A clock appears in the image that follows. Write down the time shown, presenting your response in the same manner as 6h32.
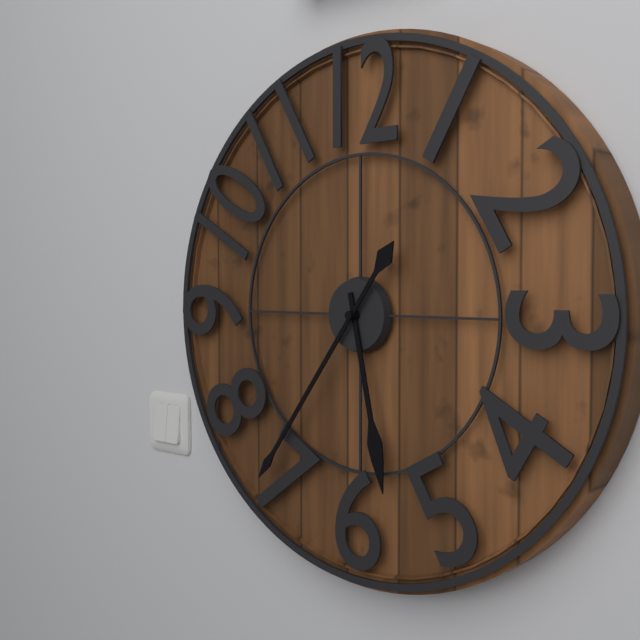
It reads 5h36
